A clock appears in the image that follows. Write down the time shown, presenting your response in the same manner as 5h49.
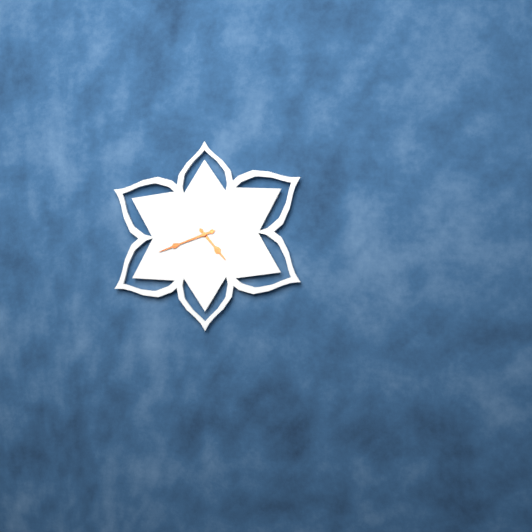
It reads 4h42
